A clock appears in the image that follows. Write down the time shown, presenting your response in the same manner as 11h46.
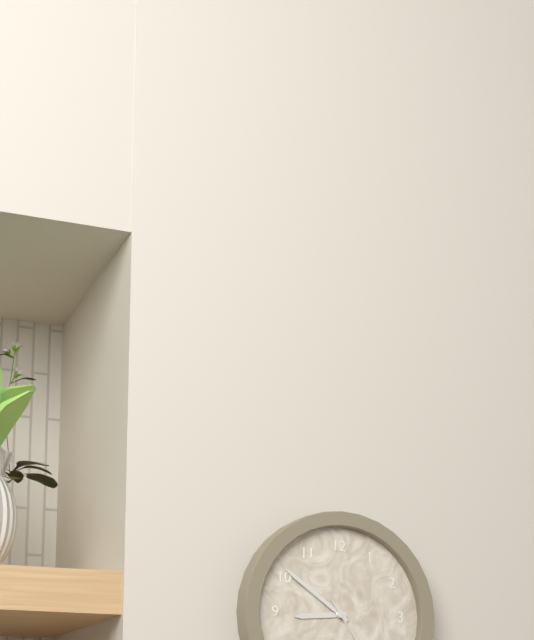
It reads 8h51
